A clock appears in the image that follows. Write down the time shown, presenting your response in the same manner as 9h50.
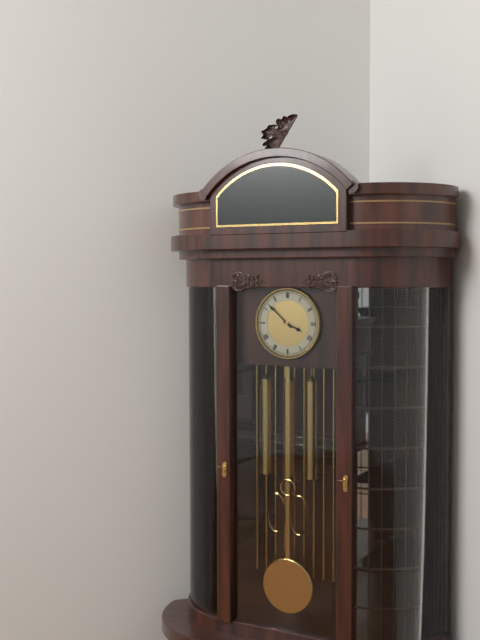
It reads 3h52
